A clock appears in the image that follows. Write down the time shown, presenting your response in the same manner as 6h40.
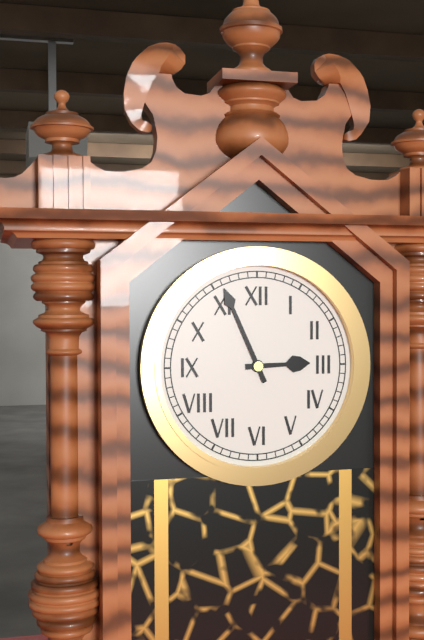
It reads 2h56
